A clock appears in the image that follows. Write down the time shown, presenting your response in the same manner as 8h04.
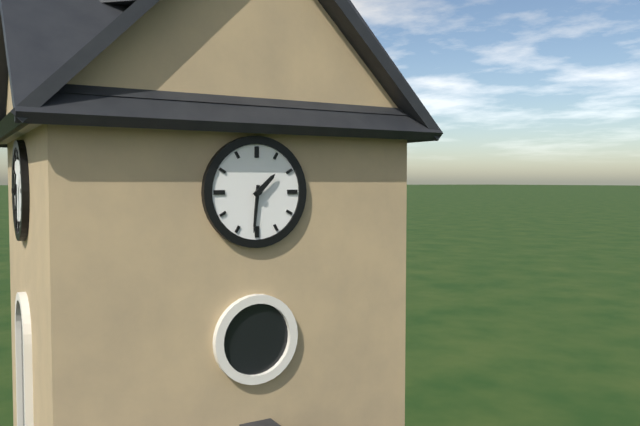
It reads 1h31
